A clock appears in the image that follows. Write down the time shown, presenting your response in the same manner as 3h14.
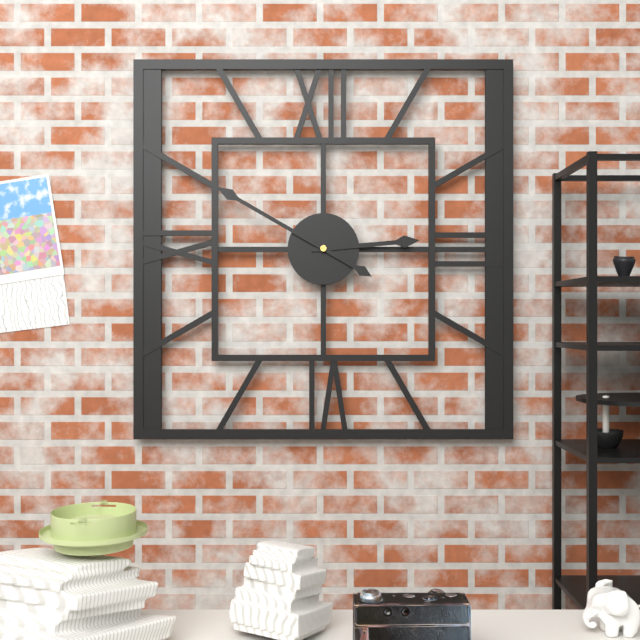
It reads 2h50
